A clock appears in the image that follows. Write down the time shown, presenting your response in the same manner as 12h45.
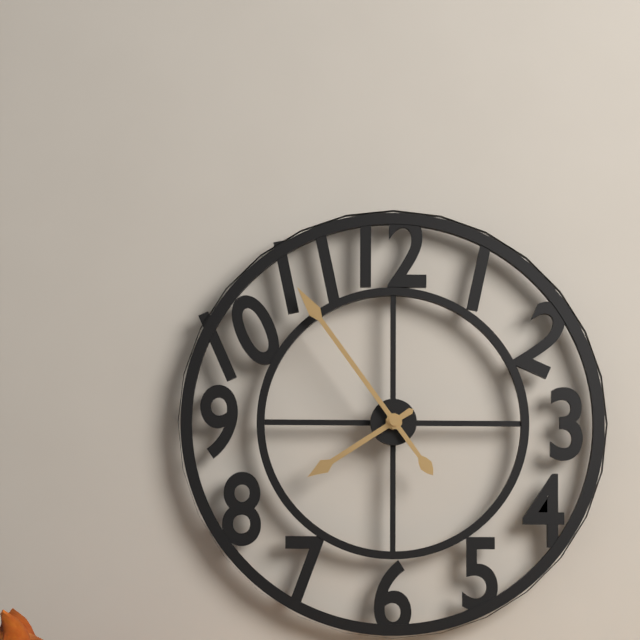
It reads 7h54
